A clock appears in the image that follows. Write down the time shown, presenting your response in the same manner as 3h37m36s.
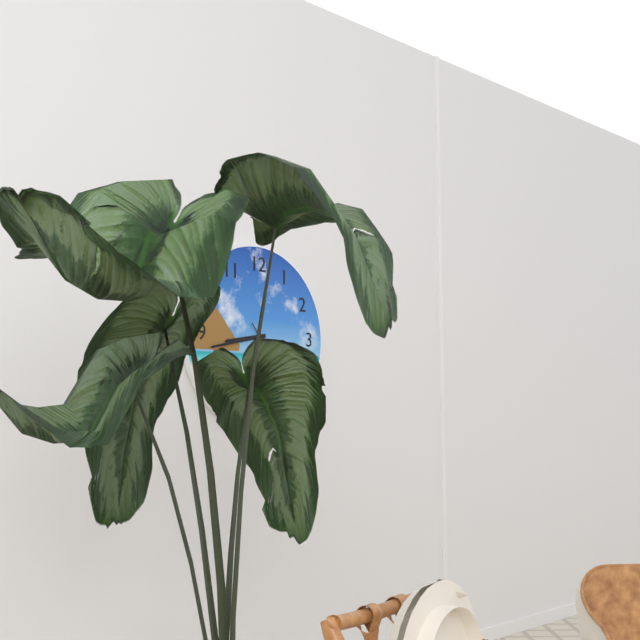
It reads 8h43m24s
